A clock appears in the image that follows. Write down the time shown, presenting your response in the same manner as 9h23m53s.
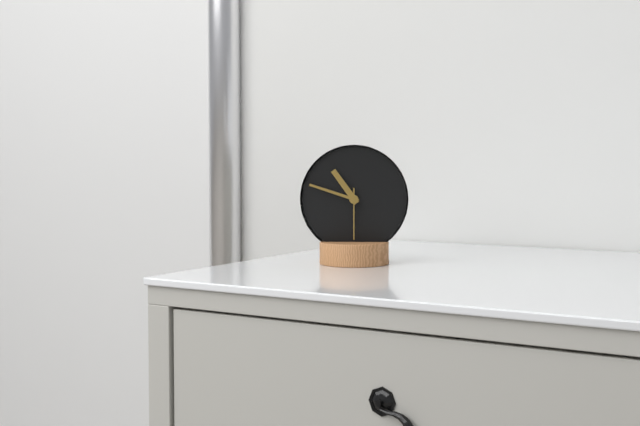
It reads 10h48m30s
